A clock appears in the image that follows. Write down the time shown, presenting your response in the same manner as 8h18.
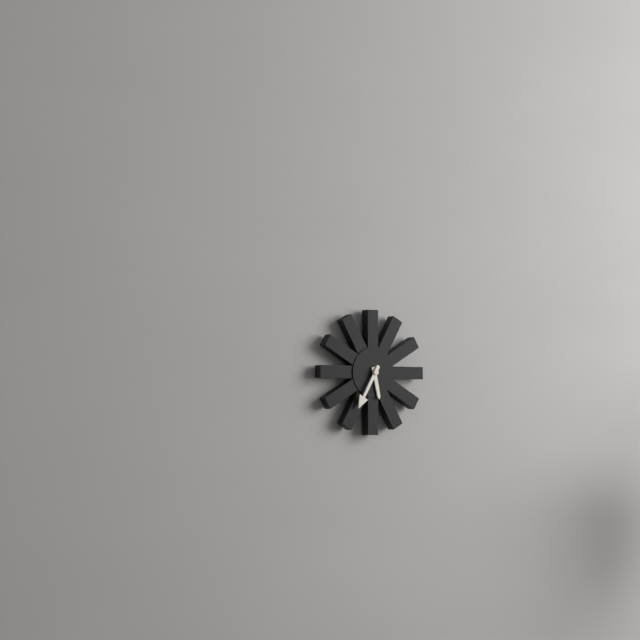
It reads 5h35
